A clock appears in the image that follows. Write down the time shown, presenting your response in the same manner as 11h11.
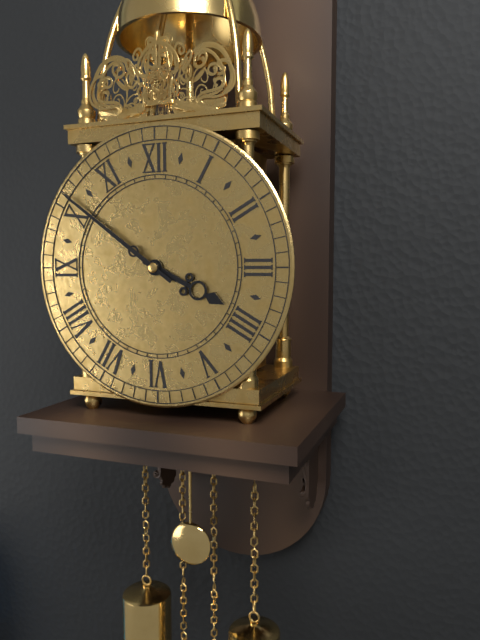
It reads 3h51
